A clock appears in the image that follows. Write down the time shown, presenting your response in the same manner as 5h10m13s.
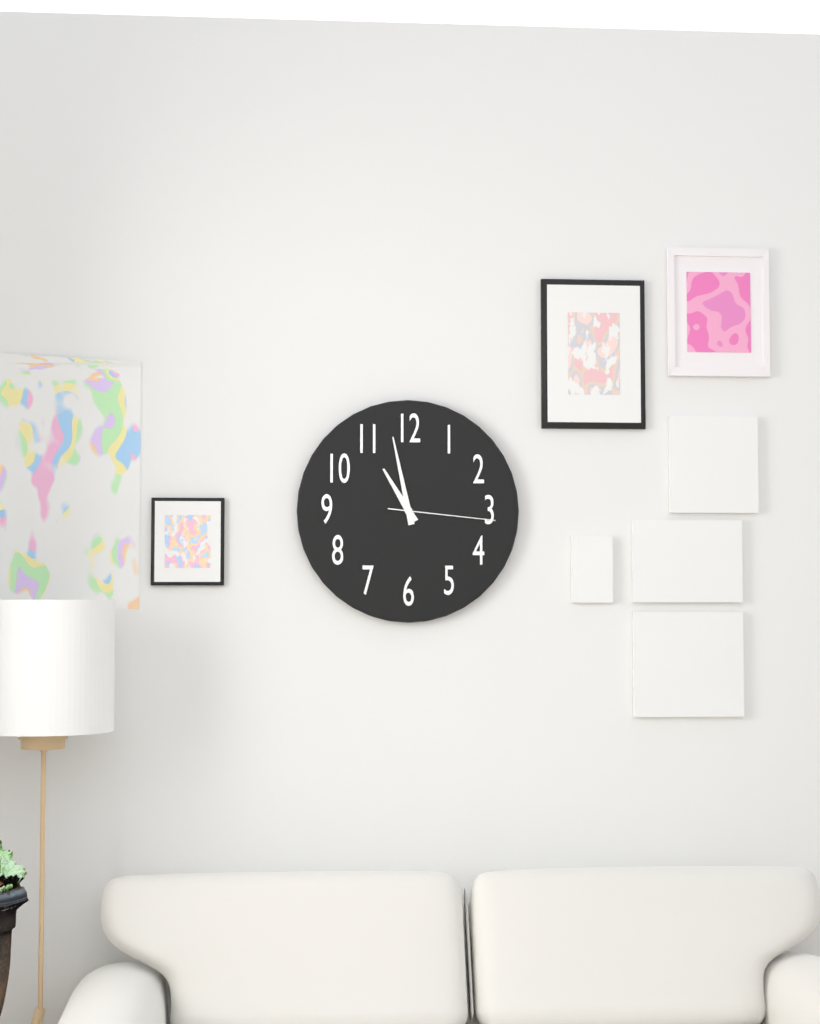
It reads 10h58m16s
